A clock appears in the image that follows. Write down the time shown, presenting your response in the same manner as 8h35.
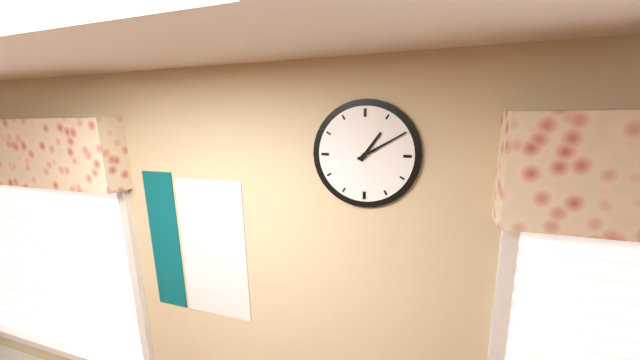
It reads 1h10
